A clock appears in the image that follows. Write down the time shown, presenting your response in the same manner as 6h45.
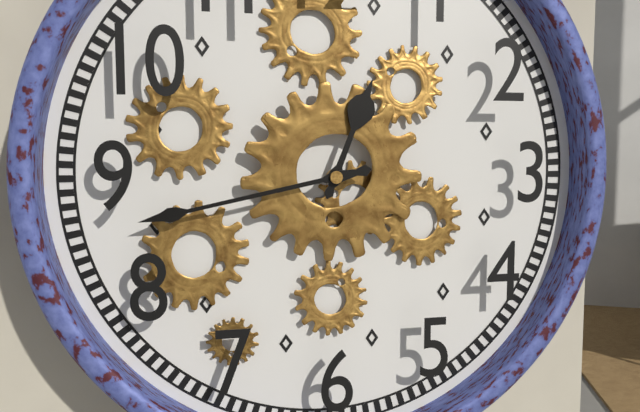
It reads 12h43
